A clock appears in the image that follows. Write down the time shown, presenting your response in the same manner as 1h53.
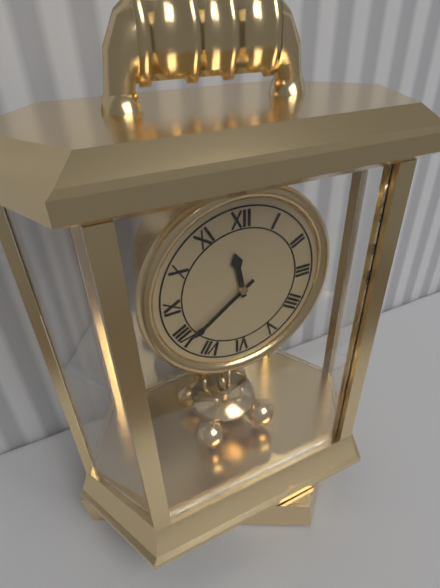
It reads 11h39
